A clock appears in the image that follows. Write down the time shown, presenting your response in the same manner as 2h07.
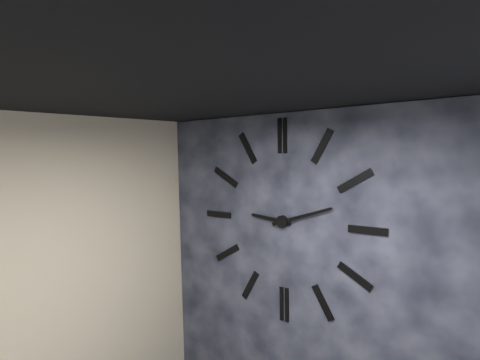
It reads 9h12
